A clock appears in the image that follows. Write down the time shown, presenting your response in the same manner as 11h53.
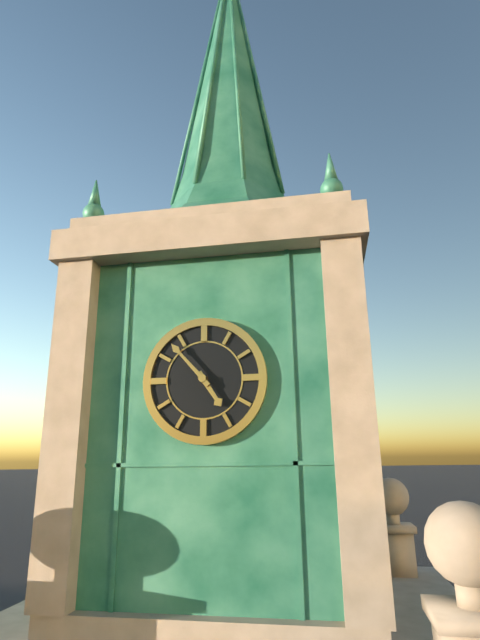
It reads 4h53
